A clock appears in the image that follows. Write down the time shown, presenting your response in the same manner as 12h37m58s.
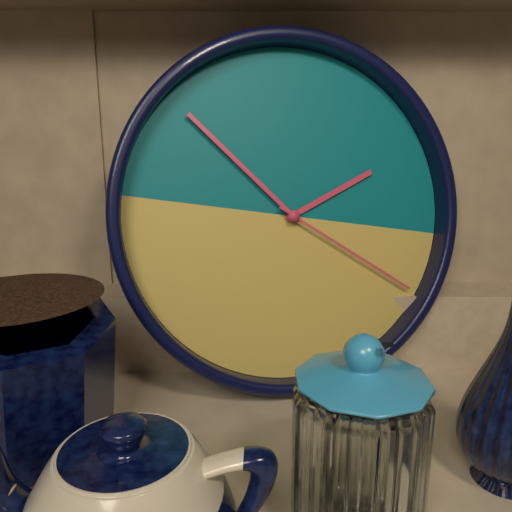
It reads 1h51m19s
